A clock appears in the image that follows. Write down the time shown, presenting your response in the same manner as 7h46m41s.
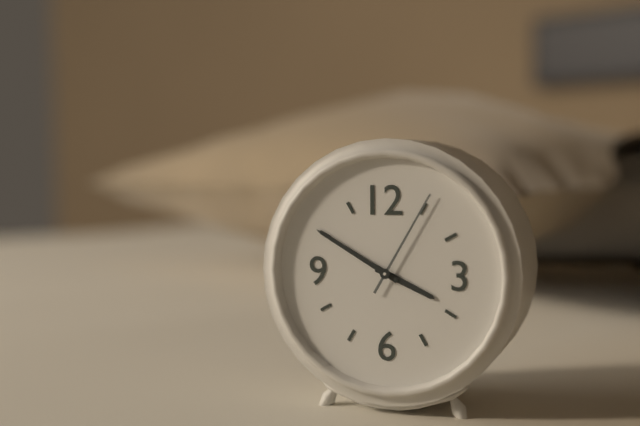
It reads 3h50m05s
